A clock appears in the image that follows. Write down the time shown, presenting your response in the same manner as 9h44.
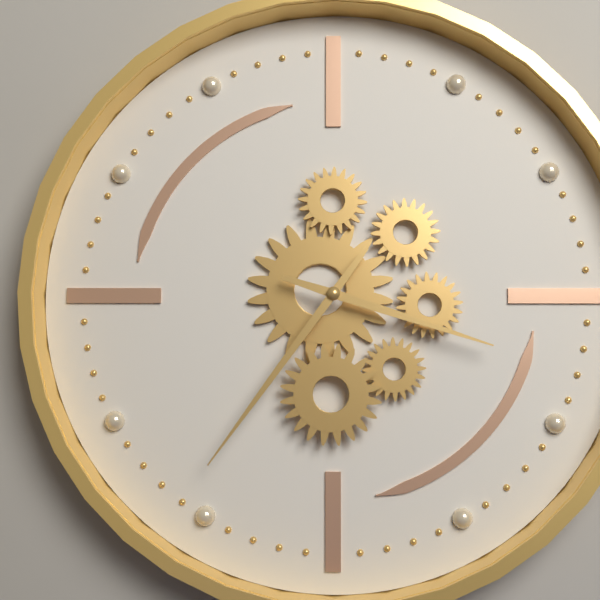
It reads 3h36
